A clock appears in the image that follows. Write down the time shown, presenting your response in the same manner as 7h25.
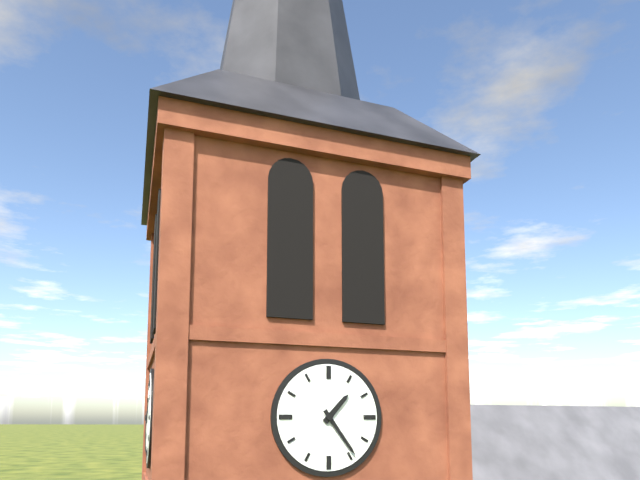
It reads 1h24
